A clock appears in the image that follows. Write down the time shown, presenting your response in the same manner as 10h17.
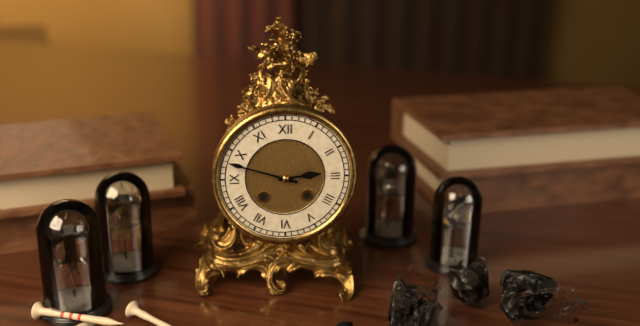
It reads 2h48
